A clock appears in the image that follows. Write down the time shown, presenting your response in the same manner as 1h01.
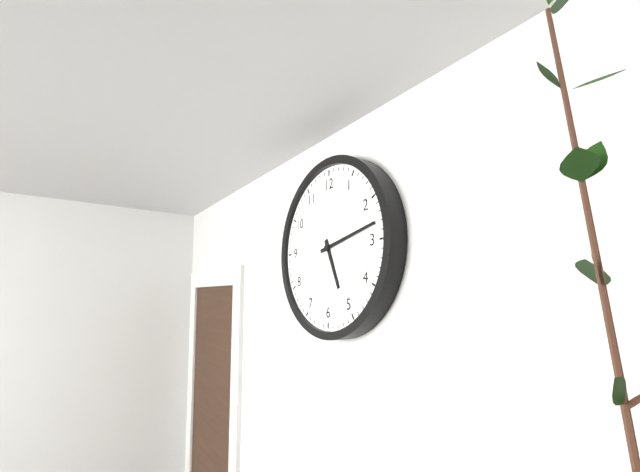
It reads 5h13
